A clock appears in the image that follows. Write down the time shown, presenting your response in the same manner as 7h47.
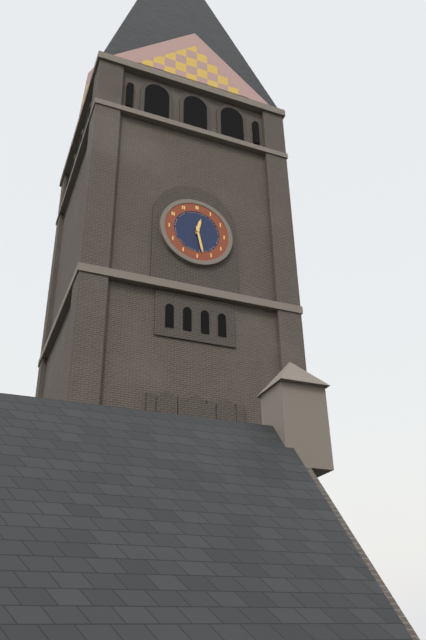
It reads 12h28
